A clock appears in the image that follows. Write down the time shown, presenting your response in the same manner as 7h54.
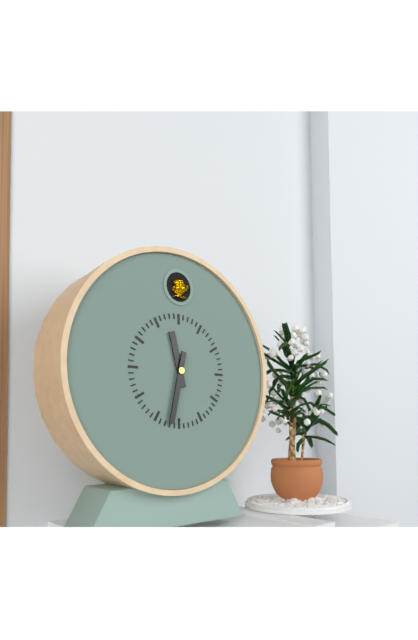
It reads 11h32
